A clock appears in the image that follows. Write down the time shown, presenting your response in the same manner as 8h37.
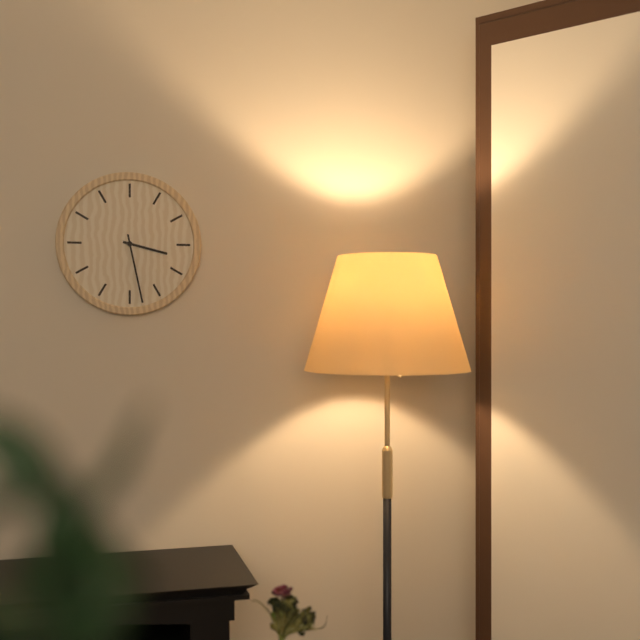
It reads 3h28
